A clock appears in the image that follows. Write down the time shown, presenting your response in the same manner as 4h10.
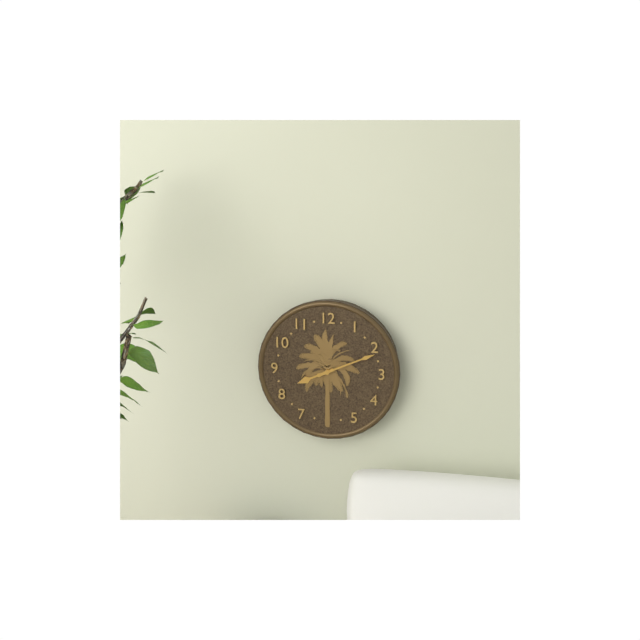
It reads 8h11
